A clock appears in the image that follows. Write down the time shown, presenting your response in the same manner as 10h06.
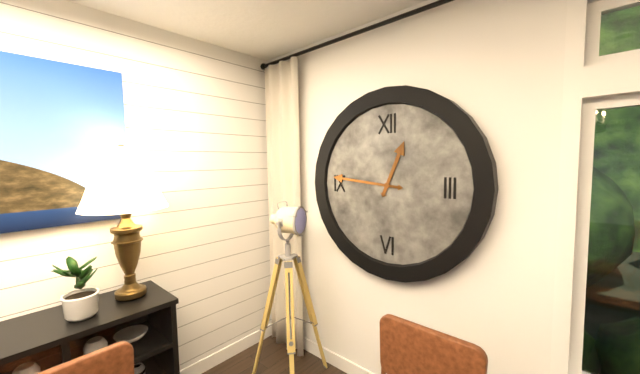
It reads 12h46
